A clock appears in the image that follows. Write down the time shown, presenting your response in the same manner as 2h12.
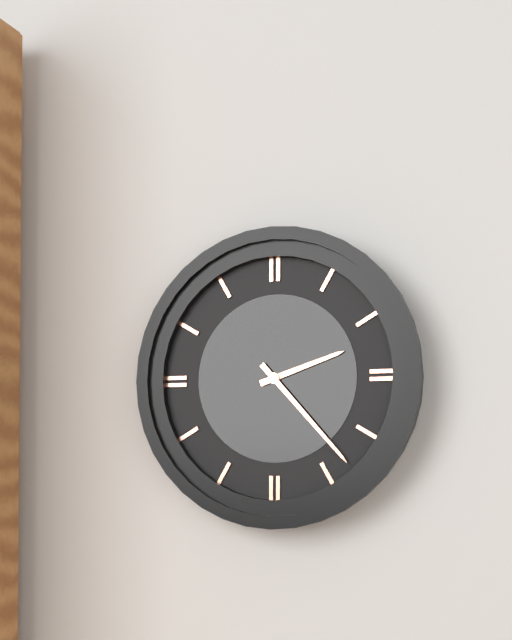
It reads 2h23
